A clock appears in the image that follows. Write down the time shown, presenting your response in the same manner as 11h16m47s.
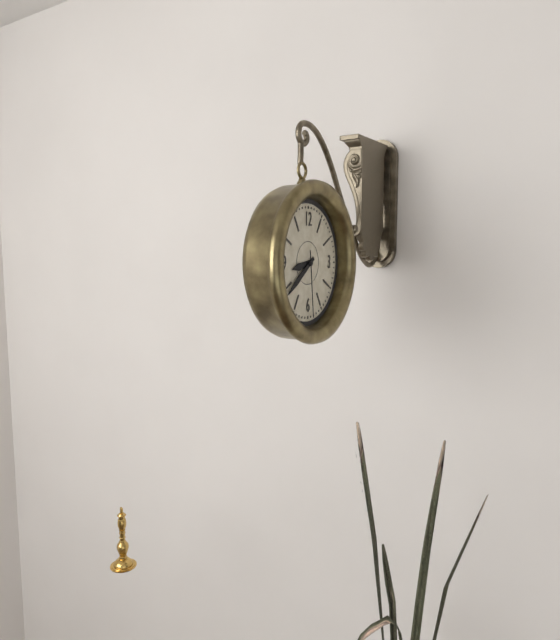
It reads 8h39m29s
